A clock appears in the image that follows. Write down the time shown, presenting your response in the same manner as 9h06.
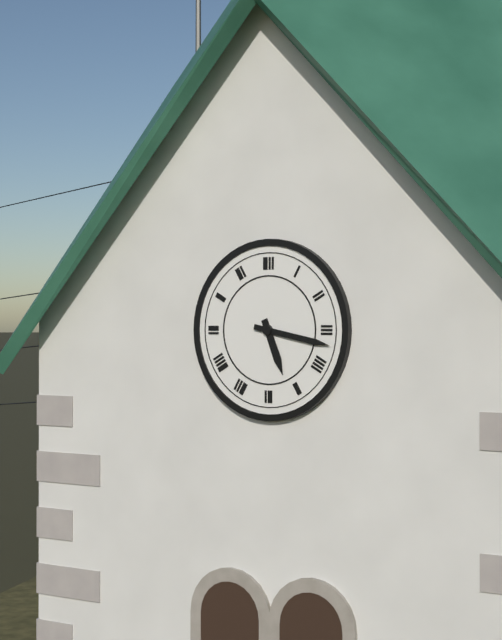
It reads 5h17
